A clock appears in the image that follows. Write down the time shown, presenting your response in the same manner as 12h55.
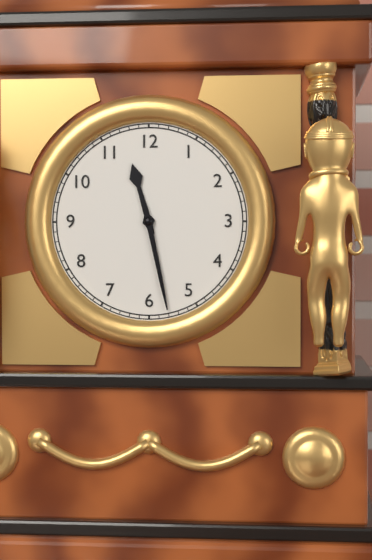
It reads 11h28
